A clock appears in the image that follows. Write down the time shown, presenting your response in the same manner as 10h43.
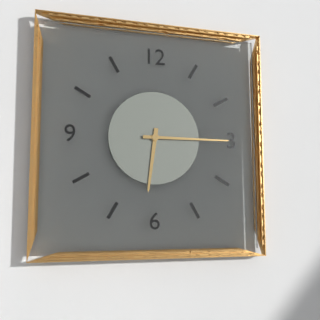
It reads 6h15
